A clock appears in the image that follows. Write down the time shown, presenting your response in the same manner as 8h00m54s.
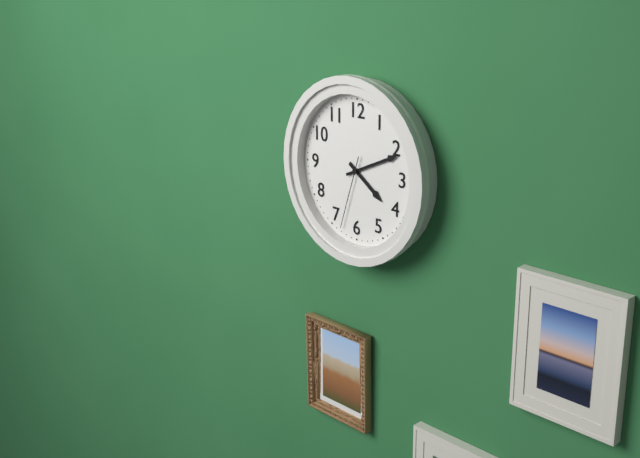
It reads 4h11m33s
